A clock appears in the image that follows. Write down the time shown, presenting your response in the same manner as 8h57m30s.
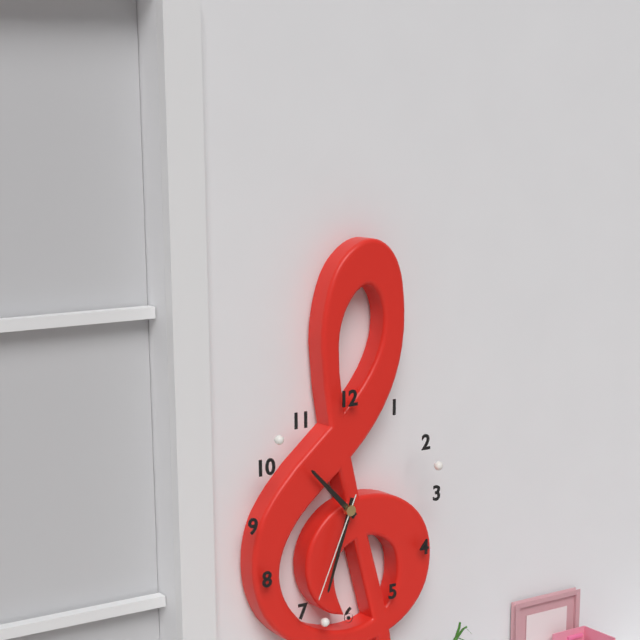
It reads 10h33m34s
